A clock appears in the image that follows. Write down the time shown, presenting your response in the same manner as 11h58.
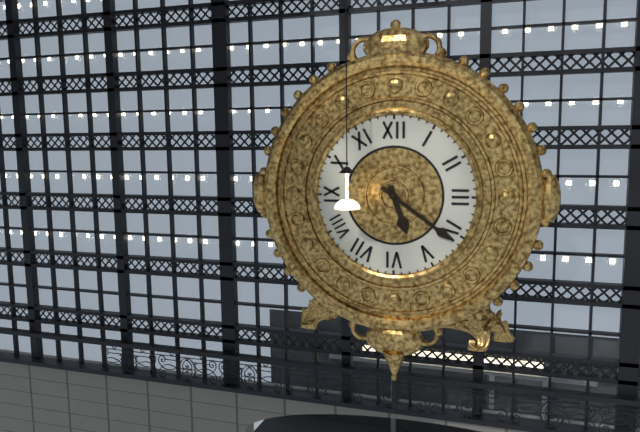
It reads 5h21
